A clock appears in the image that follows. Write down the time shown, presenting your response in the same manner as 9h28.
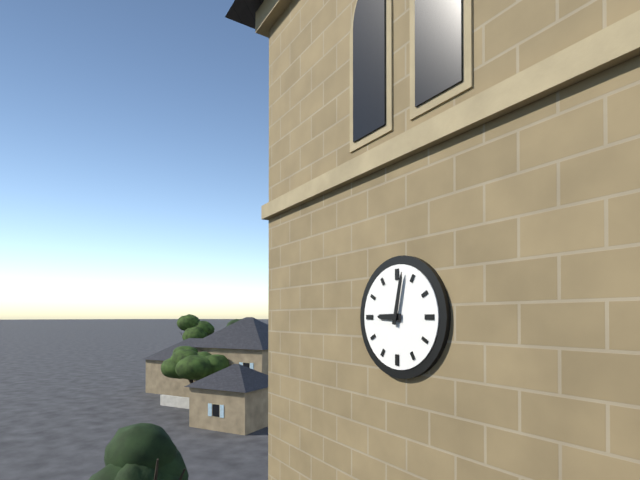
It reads 9h02
